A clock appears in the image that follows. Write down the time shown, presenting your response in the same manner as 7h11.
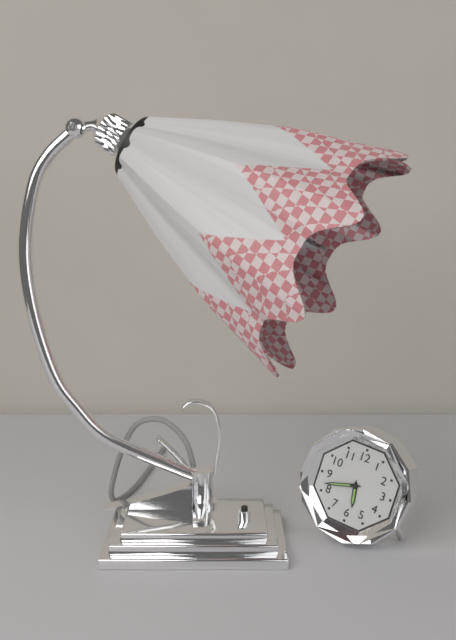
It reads 5h42
